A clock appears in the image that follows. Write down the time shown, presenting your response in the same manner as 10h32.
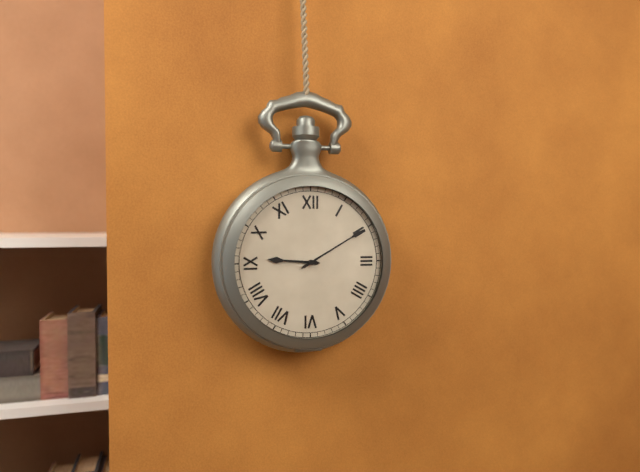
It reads 9h10
